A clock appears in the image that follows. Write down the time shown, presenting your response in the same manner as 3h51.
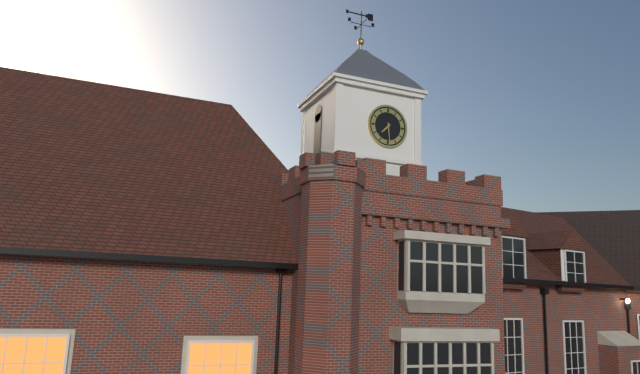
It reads 7h29
